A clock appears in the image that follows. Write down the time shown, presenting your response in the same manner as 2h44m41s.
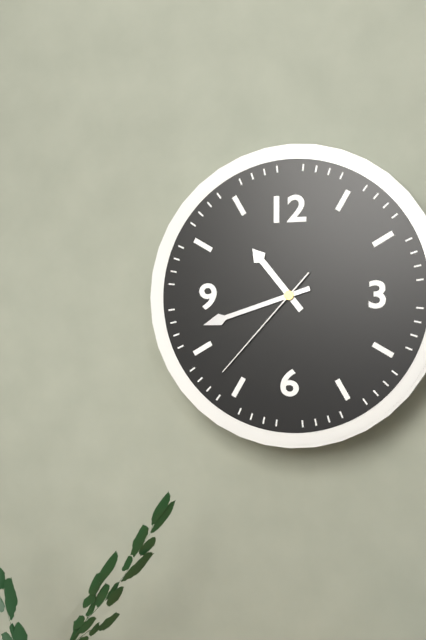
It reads 10h42m37s
